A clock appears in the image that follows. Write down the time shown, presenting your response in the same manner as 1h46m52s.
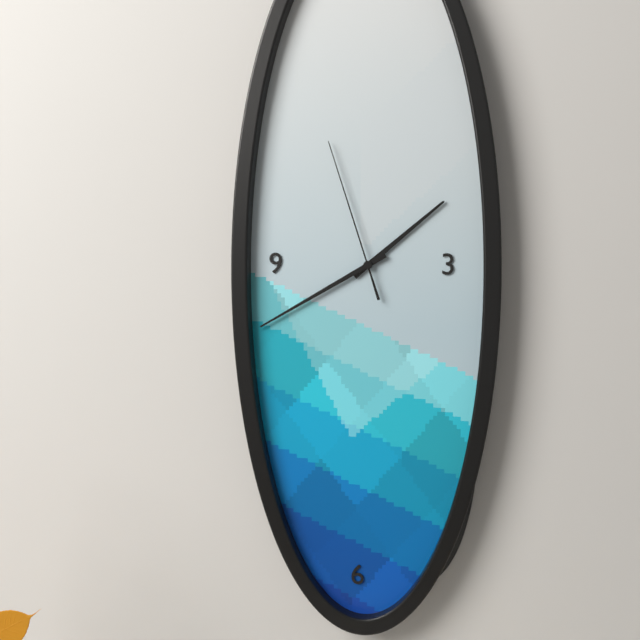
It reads 1h40m57s
